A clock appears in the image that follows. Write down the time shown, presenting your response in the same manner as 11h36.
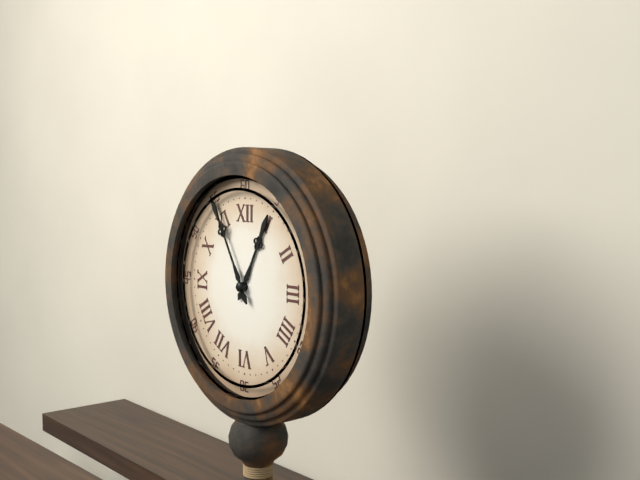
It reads 12h55
